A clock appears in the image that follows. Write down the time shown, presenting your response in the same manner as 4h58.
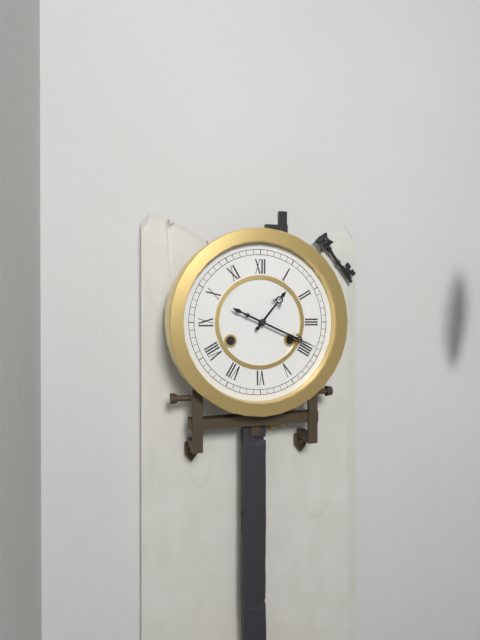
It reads 1h19
